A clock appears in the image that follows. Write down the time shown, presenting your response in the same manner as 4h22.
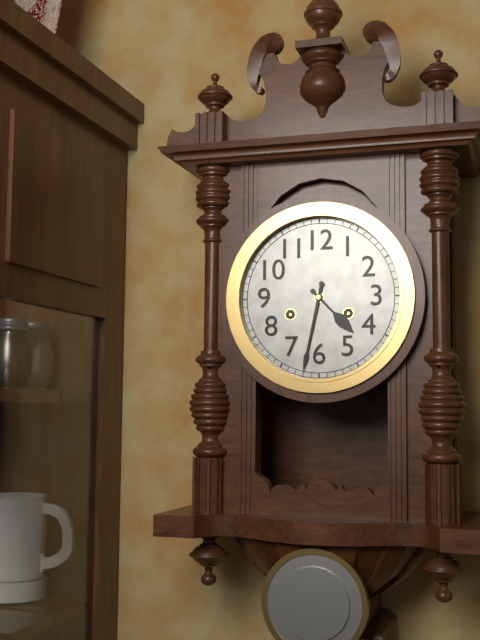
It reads 4h32
